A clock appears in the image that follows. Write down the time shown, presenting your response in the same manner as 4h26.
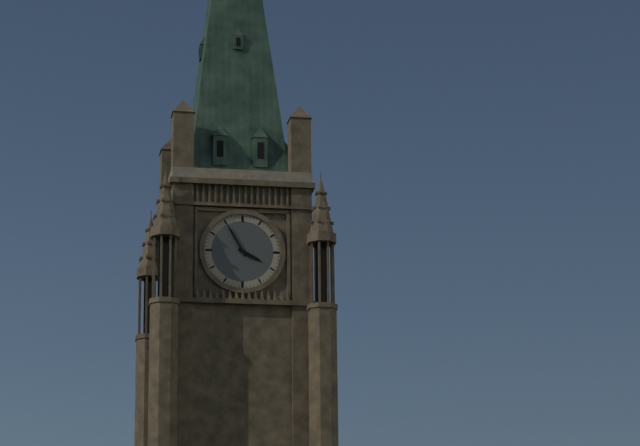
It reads 3h55
